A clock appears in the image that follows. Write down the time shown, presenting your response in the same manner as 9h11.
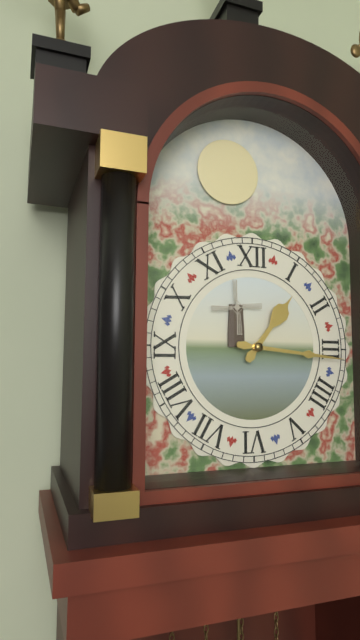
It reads 1h16
